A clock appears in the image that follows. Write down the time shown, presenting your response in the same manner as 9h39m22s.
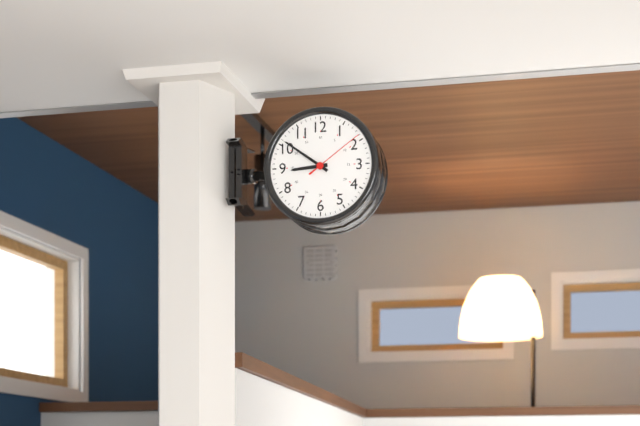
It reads 8h51m09s
